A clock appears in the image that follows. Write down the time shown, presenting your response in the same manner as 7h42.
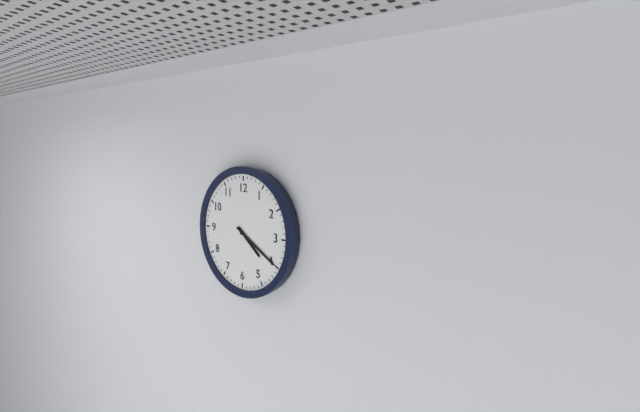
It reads 4h20
